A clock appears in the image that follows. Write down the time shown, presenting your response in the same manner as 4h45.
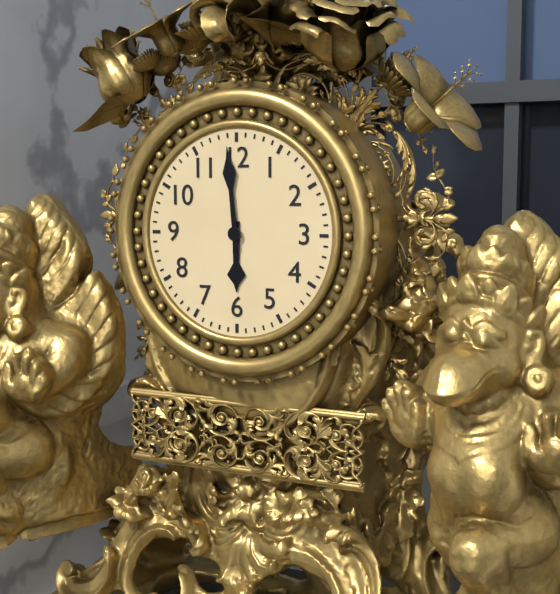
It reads 5h59
